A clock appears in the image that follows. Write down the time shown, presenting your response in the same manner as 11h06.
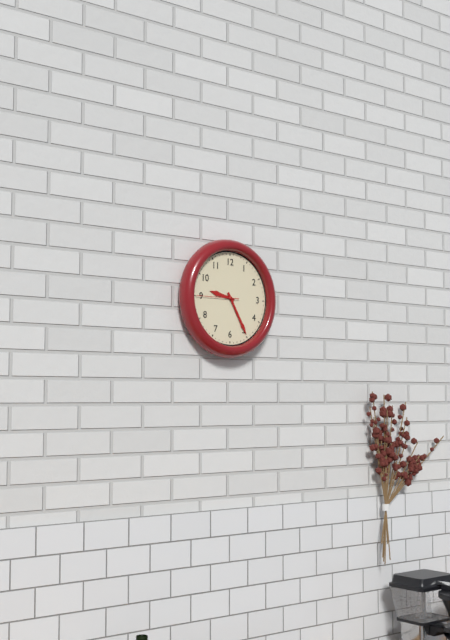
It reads 9h25
